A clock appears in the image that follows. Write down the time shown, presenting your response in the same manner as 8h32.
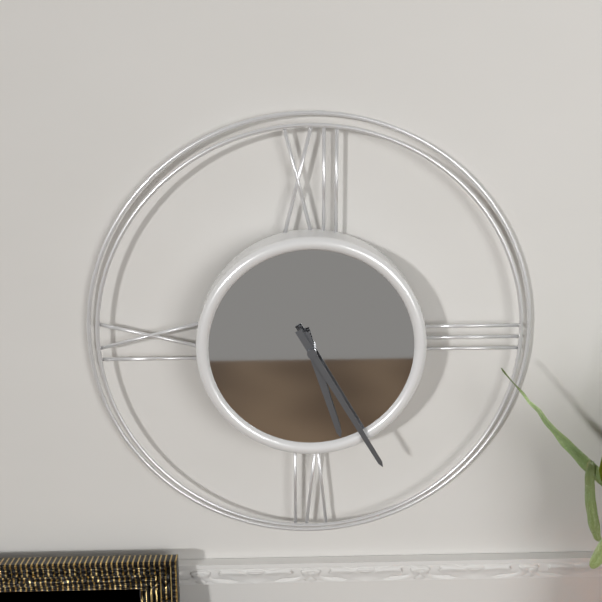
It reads 5h25
